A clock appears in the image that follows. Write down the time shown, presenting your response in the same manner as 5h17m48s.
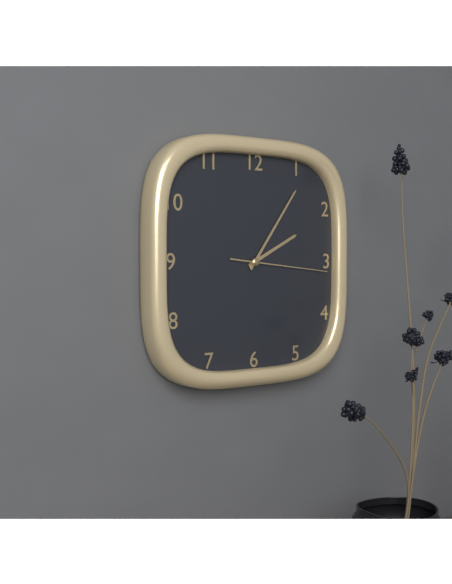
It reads 2h06m16s
